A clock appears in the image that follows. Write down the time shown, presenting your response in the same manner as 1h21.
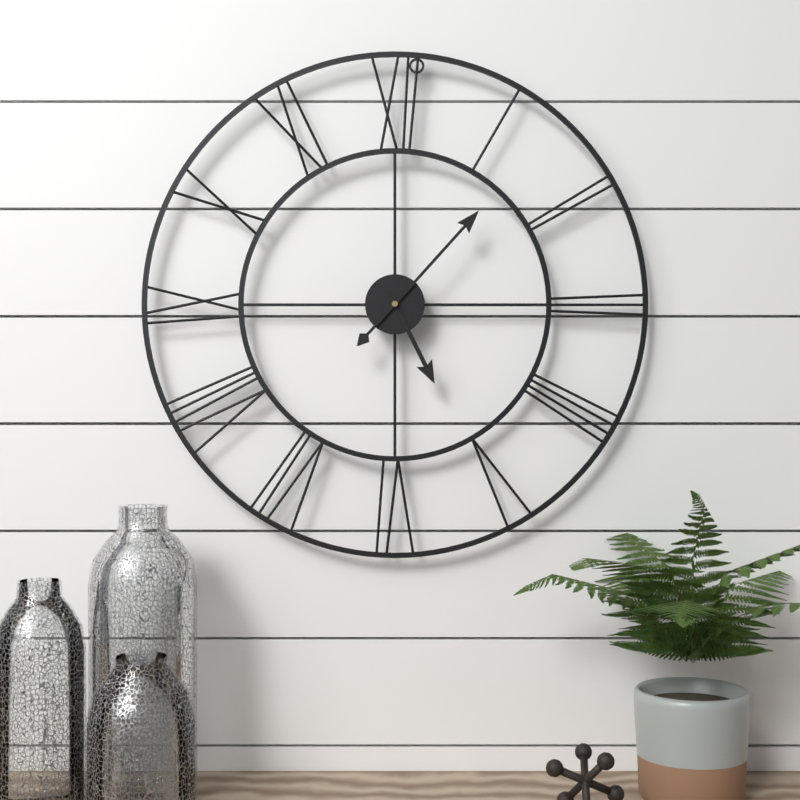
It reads 5h07
